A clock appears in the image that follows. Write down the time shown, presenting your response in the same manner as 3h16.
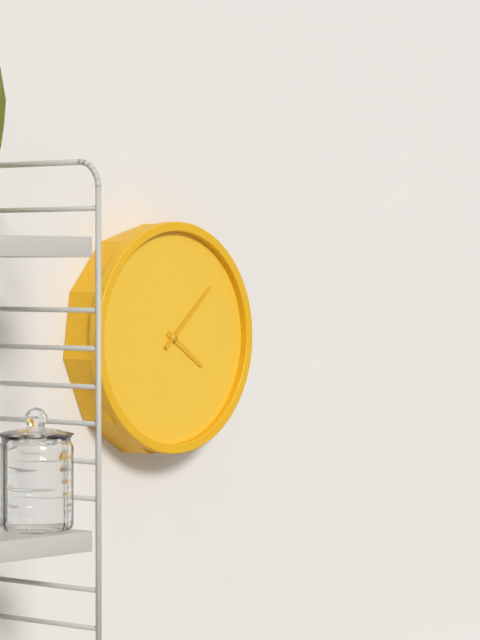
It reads 4h08
